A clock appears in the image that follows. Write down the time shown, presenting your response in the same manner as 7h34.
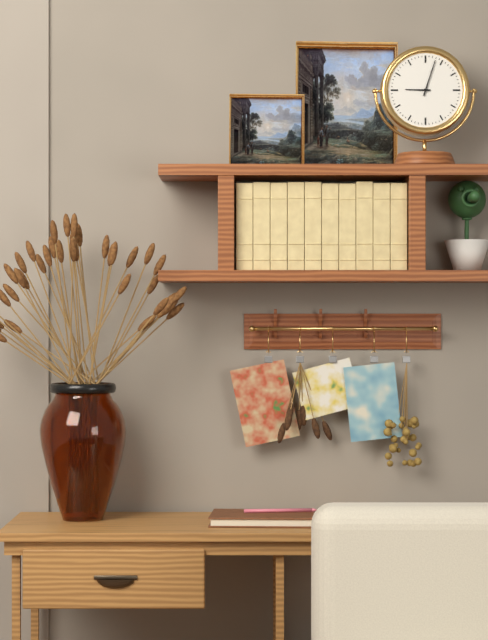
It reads 9h03
